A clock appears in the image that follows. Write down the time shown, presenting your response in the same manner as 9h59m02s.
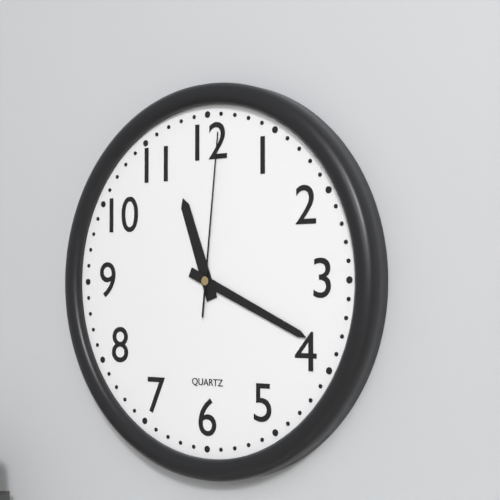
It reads 11h19m01s
